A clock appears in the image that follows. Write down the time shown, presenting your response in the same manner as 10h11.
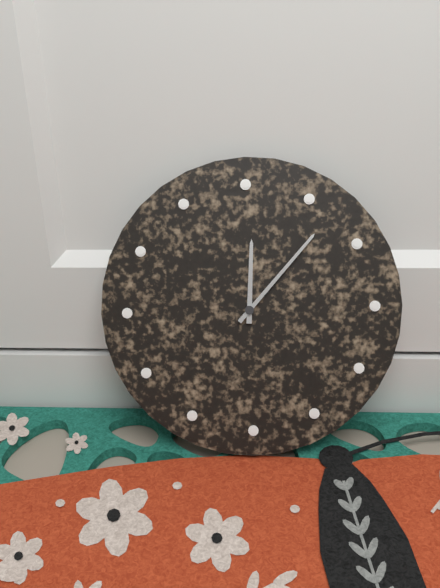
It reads 12h07
